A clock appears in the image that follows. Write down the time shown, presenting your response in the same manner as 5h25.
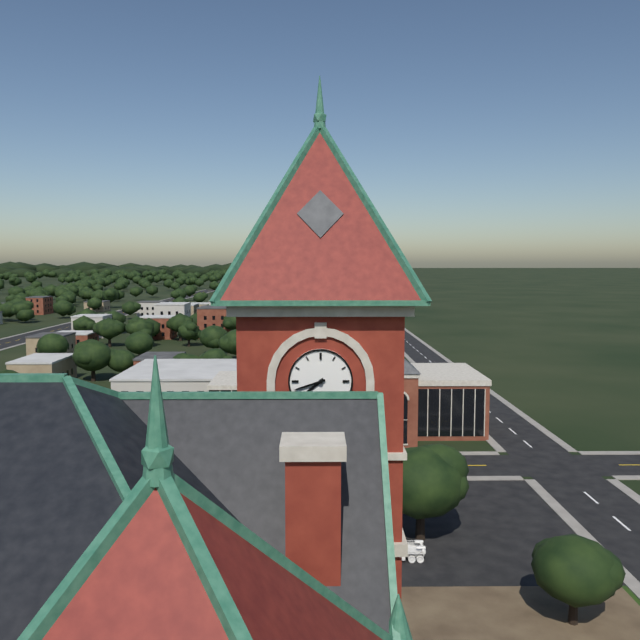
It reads 7h42
